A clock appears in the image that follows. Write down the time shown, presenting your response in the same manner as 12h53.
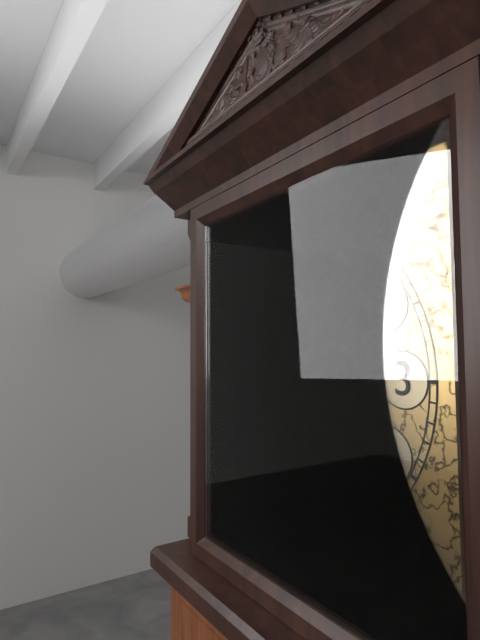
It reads 4h43
